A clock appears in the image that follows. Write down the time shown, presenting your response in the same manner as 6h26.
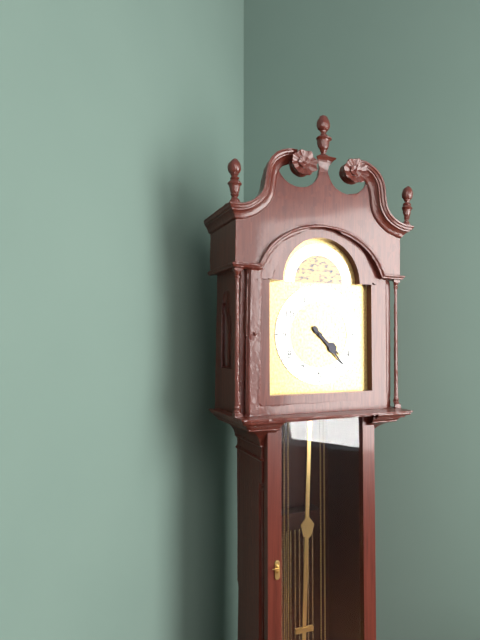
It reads 4h23
